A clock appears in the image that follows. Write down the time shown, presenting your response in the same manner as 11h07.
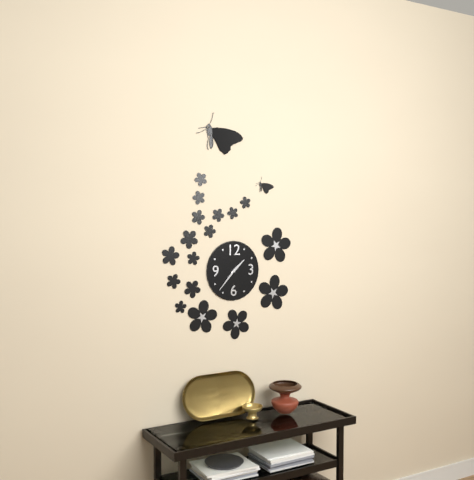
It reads 1h37
